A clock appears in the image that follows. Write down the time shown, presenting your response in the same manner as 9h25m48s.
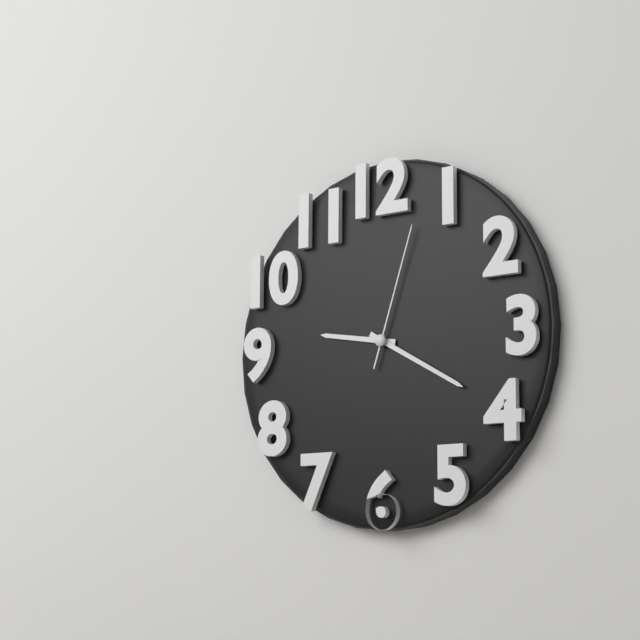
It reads 9h20m03s
